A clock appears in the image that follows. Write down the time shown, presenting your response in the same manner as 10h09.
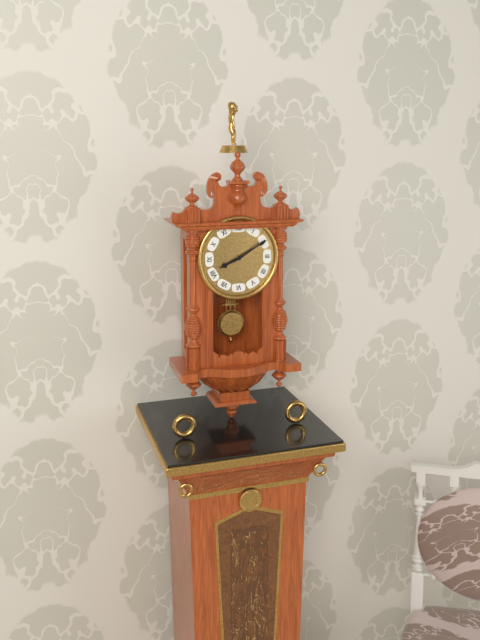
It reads 8h10
